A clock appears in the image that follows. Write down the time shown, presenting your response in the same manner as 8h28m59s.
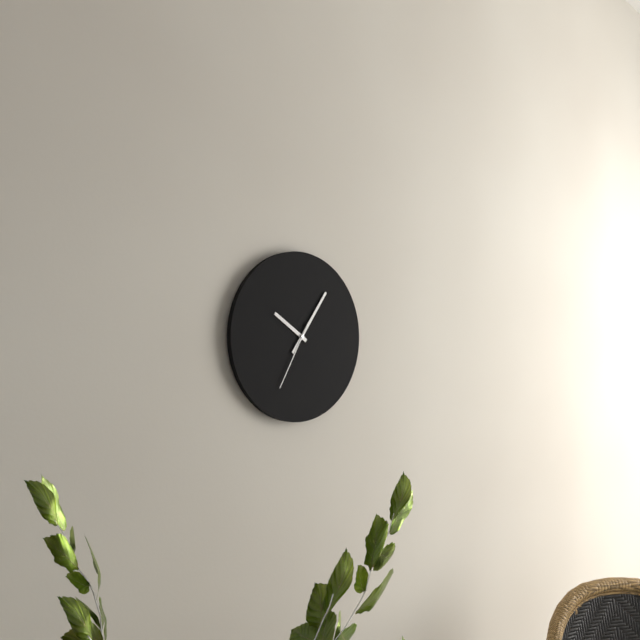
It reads 10h06m35s
